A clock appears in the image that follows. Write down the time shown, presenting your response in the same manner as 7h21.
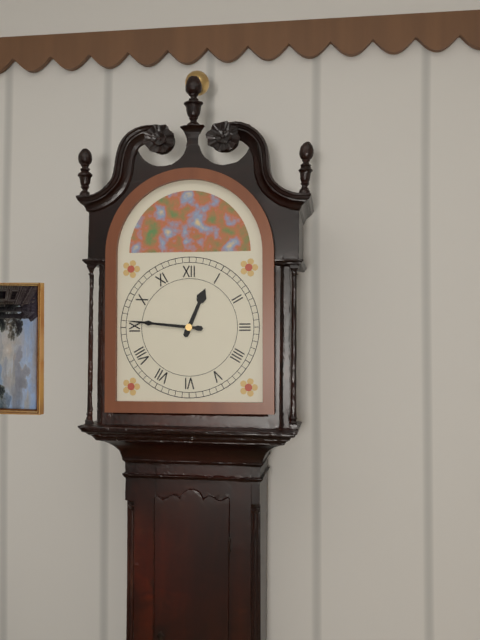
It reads 12h46
